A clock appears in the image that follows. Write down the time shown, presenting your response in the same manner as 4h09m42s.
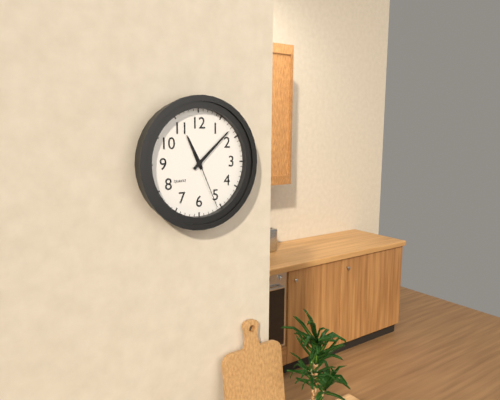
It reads 11h08m26s
